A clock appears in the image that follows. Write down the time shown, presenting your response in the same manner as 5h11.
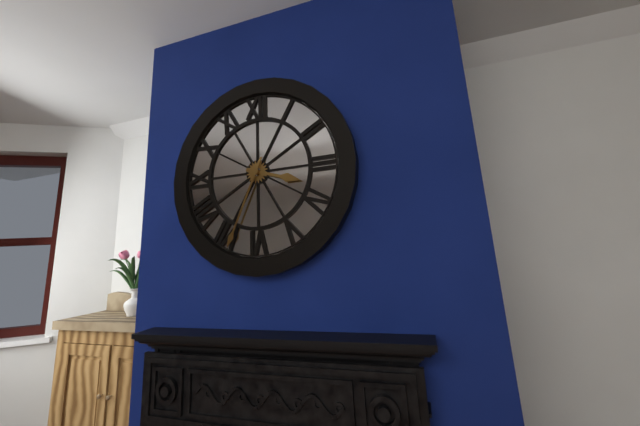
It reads 3h34
